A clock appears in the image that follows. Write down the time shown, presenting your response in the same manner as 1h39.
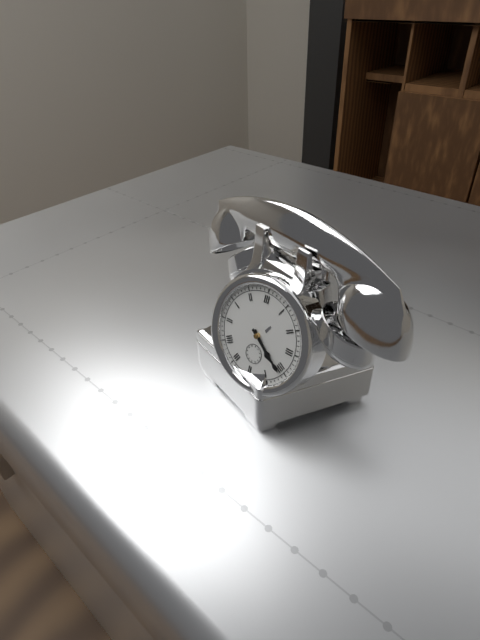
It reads 4h21
